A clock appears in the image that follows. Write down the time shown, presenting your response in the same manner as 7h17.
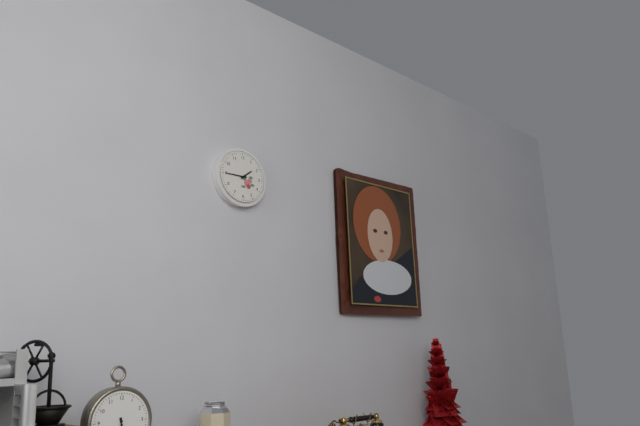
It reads 1h45
